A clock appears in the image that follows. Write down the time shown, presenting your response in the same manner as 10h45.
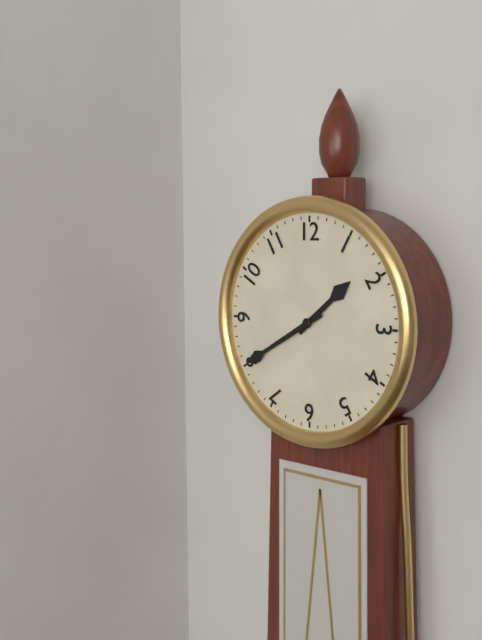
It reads 1h40
